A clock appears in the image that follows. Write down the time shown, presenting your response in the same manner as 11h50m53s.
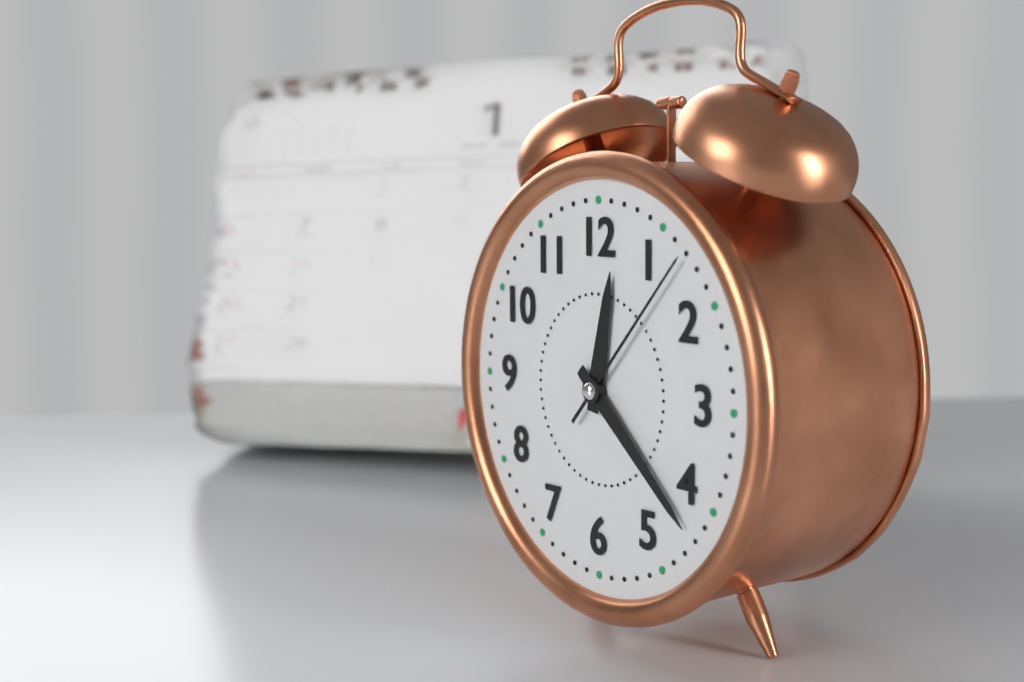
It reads 12h22m07s
